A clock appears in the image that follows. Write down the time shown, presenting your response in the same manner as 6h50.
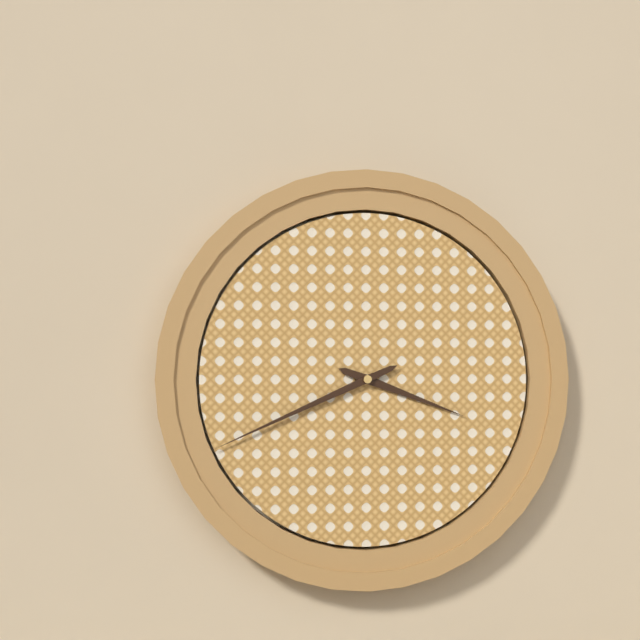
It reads 3h41
